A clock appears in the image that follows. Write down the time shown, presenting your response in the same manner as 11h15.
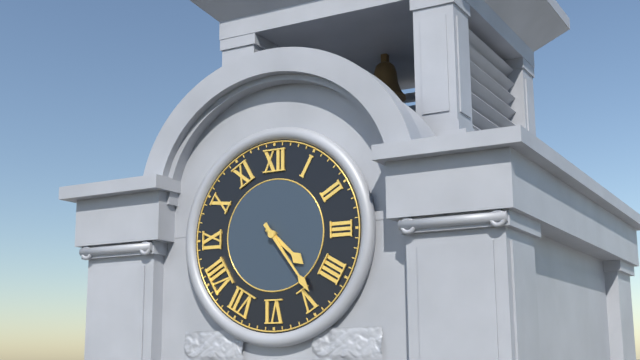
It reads 4h24
